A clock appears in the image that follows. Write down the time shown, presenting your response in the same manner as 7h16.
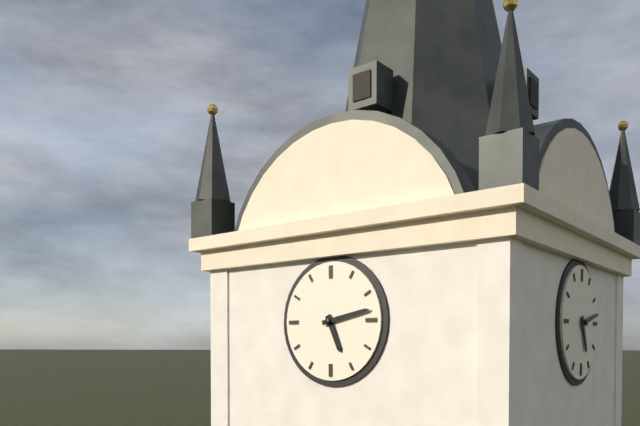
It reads 5h13
